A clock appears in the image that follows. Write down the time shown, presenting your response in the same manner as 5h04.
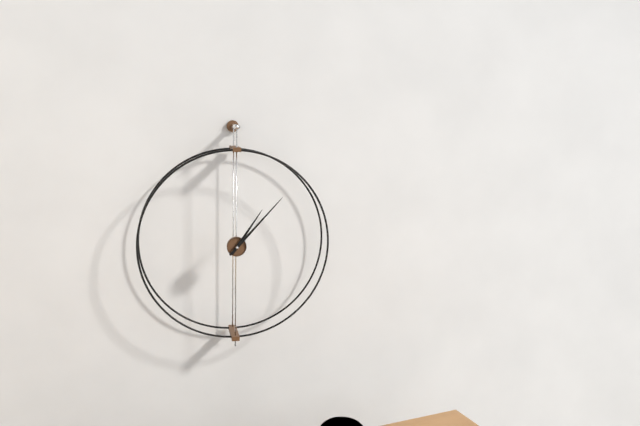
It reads 1h07
